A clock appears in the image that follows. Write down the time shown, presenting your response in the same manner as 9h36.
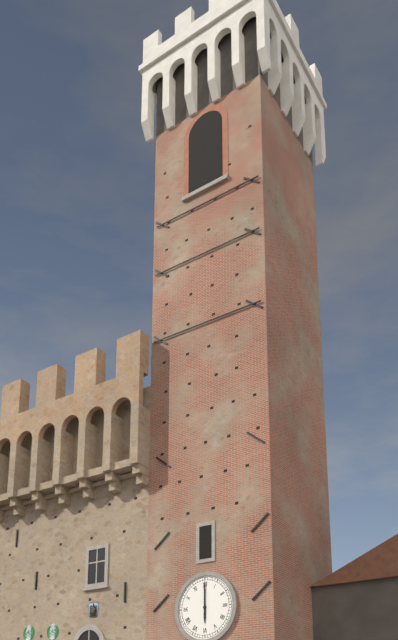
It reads 6h00
